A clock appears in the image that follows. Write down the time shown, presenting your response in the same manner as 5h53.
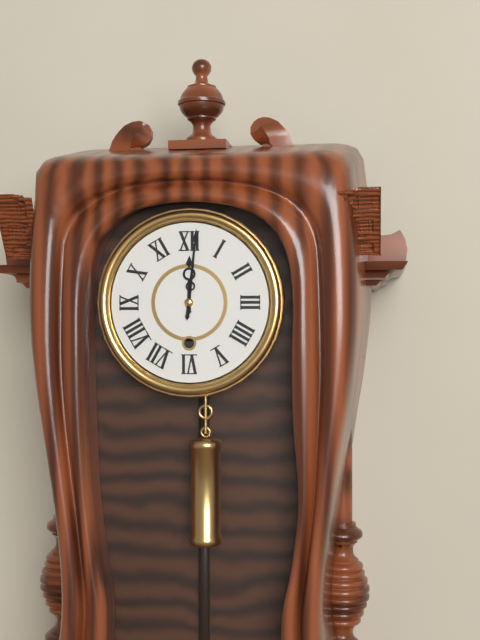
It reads 12h01
